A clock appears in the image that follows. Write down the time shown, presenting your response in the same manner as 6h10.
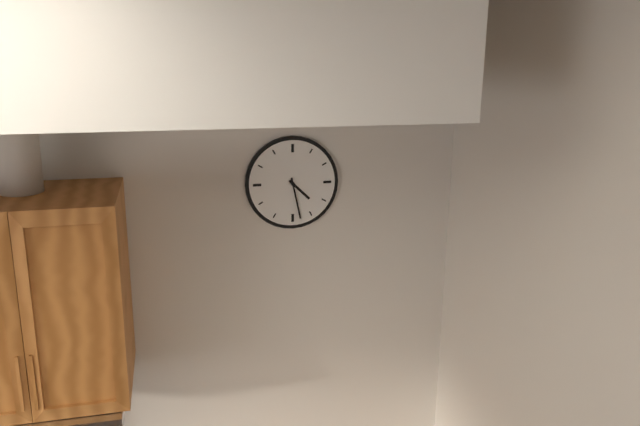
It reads 4h28
